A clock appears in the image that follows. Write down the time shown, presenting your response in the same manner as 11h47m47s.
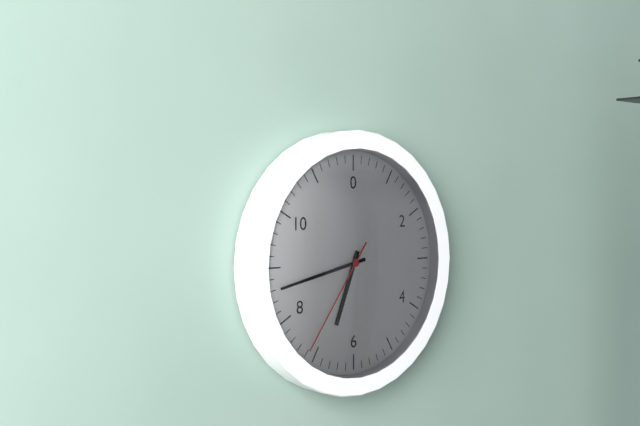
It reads 6h43m36s
